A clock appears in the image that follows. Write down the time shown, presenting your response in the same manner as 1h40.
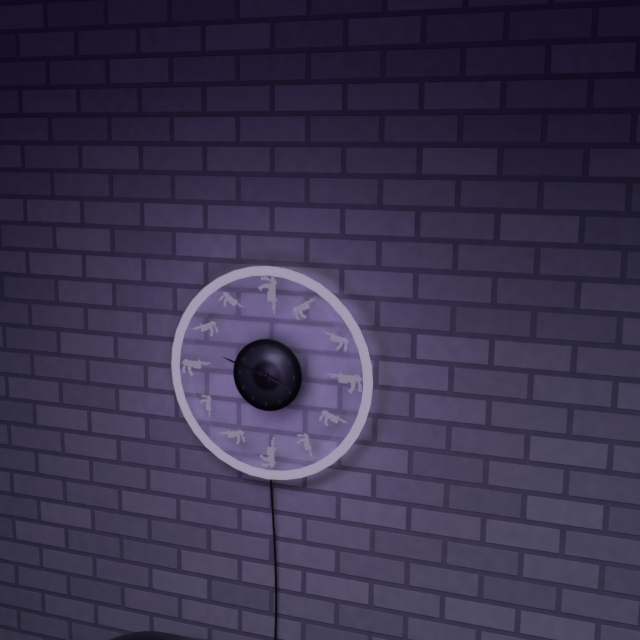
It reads 3h48
